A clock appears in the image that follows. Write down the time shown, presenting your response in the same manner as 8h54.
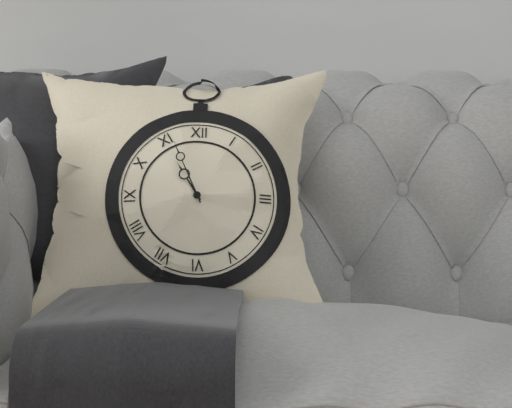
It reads 10h56
